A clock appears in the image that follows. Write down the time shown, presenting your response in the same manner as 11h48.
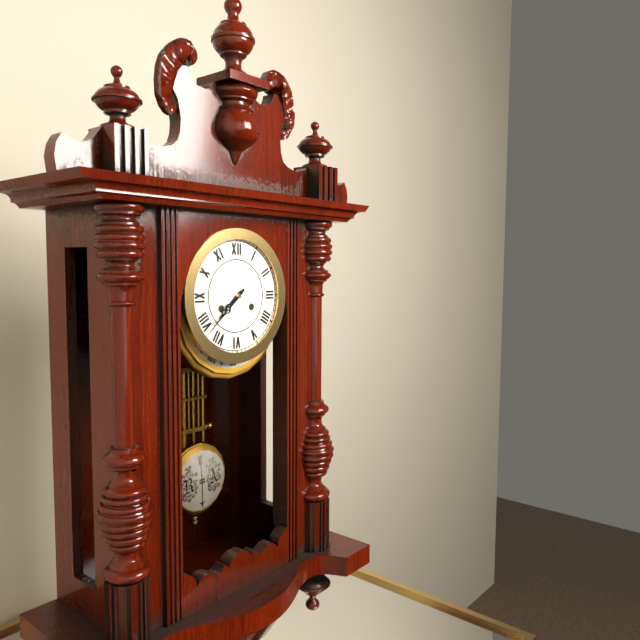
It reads 7h38
